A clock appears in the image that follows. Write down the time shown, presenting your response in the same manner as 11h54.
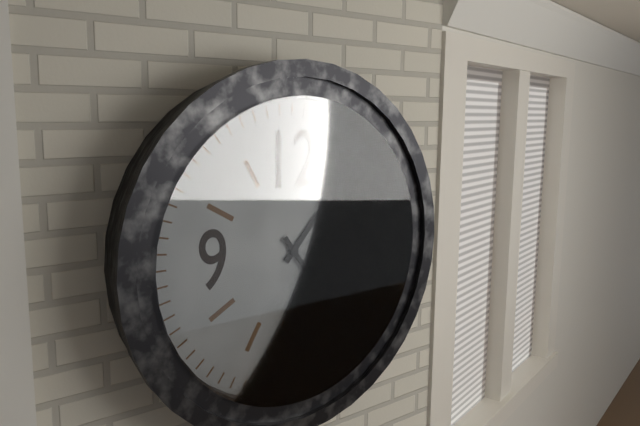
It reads 1h24
